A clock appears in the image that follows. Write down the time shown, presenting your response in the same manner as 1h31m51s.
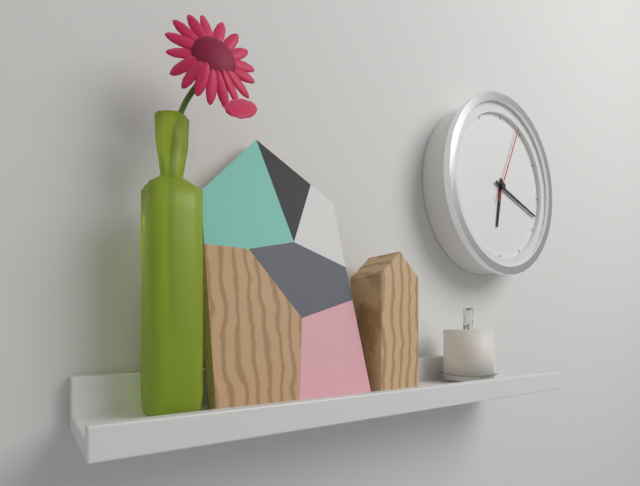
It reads 6h18m04s
